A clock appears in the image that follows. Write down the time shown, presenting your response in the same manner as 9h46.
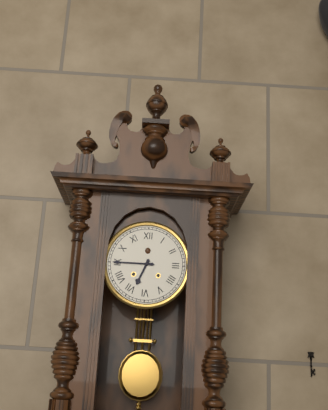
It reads 6h45
